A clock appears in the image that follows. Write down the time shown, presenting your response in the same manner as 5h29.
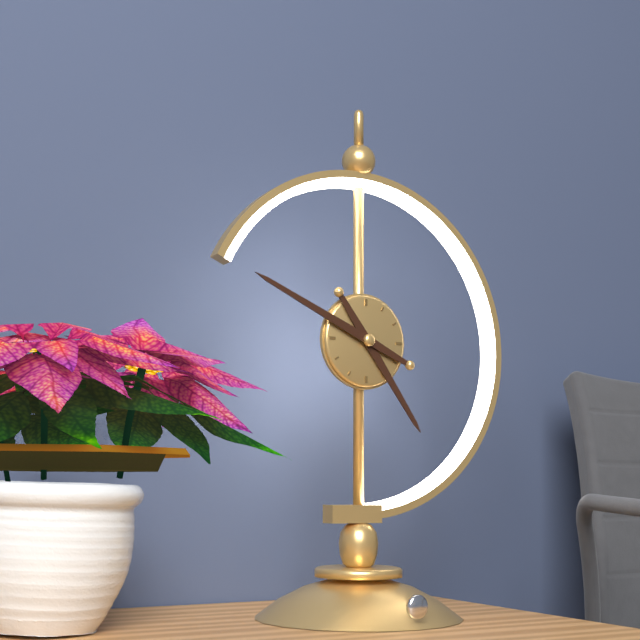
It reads 4h49
